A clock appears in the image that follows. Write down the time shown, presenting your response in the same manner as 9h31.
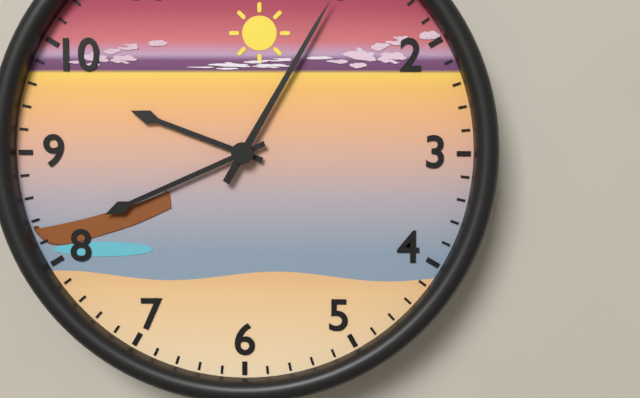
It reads 9h41
